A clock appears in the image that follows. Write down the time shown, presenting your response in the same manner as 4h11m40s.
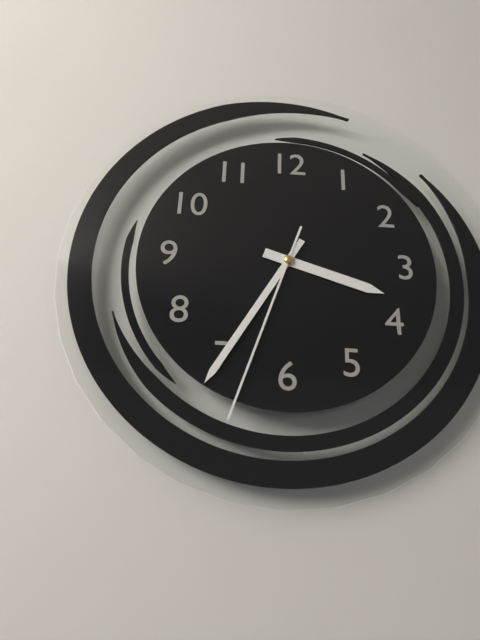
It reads 3h35m33s
